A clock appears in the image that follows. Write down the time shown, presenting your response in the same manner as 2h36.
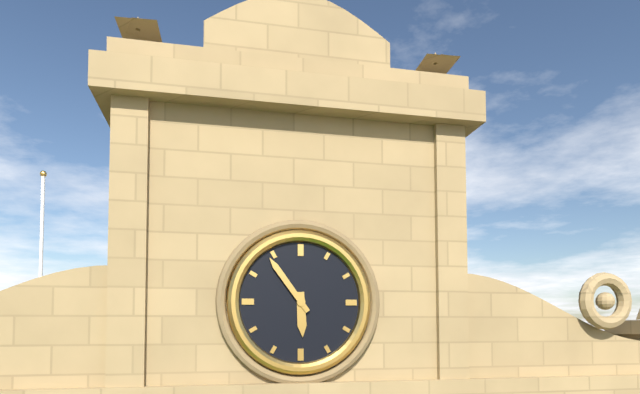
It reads 5h54
